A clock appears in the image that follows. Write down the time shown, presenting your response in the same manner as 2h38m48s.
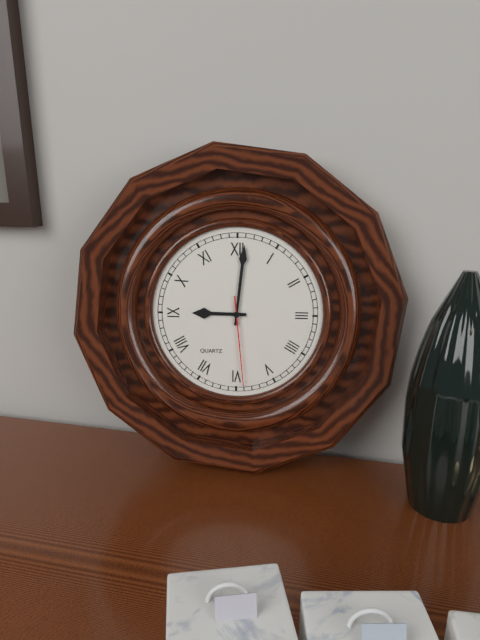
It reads 9h01m29s
